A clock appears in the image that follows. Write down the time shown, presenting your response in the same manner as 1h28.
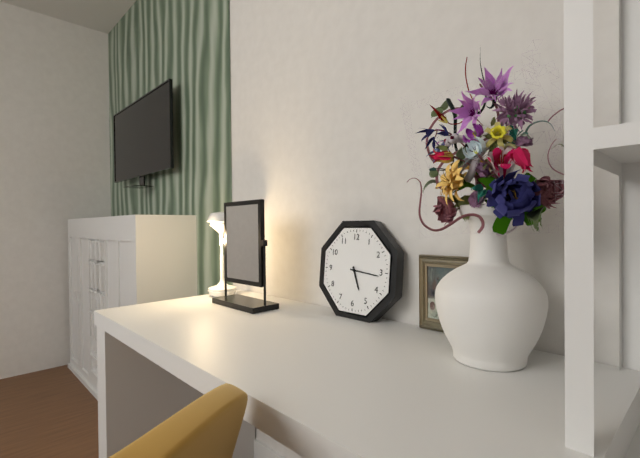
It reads 5h16
